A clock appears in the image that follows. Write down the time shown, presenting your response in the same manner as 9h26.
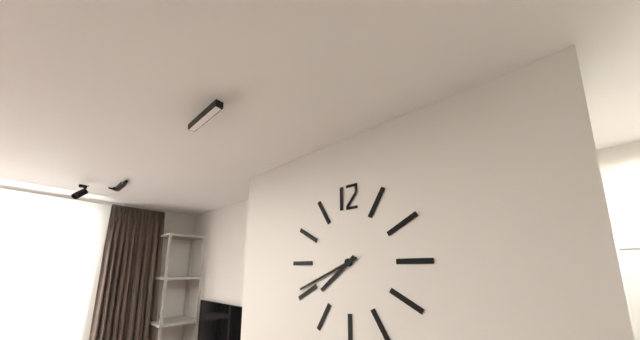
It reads 7h41
